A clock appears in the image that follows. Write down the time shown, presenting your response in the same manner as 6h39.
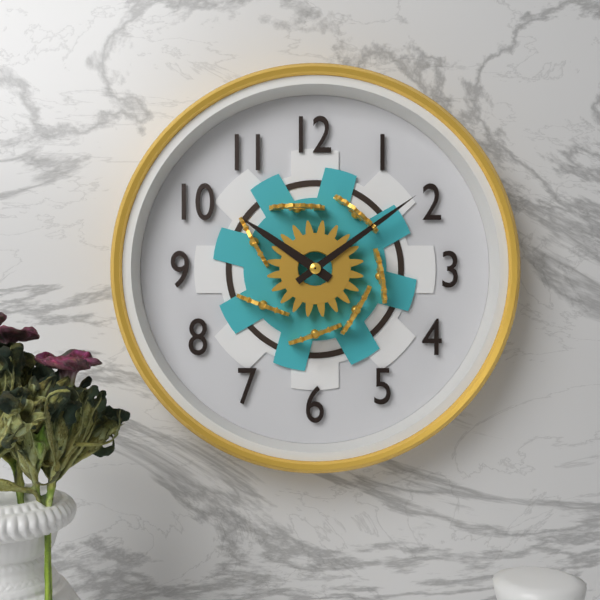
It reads 10h09
